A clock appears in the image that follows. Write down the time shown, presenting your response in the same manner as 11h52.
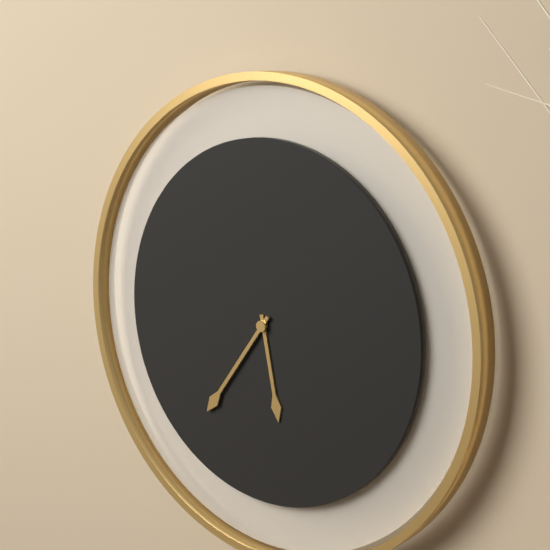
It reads 5h36
